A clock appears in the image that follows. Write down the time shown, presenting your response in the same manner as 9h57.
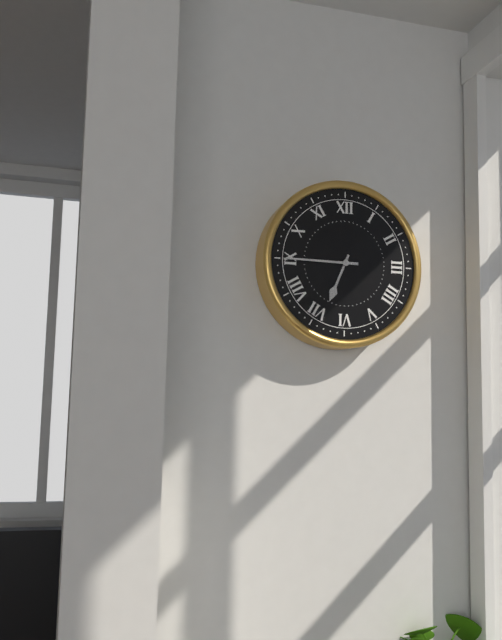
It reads 6h45
